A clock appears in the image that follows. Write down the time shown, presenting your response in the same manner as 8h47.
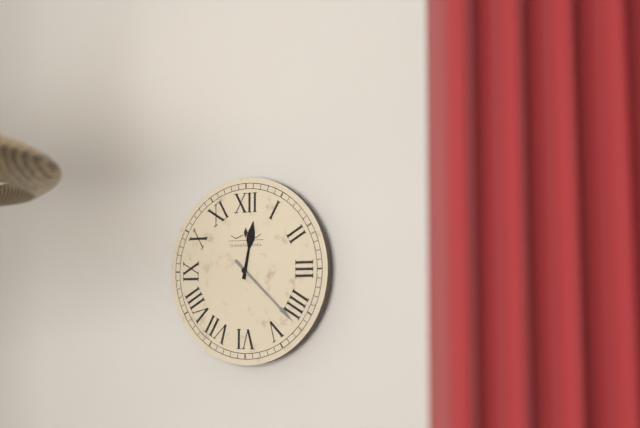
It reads 12h22
